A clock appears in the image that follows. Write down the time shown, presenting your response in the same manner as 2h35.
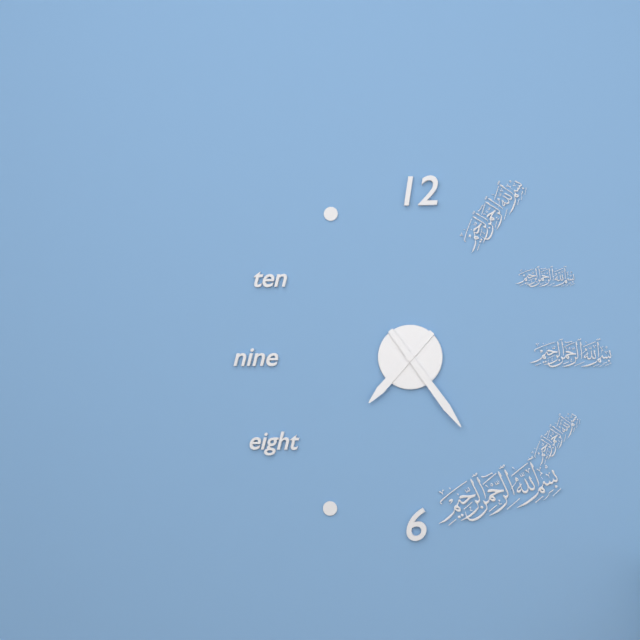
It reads 7h24
